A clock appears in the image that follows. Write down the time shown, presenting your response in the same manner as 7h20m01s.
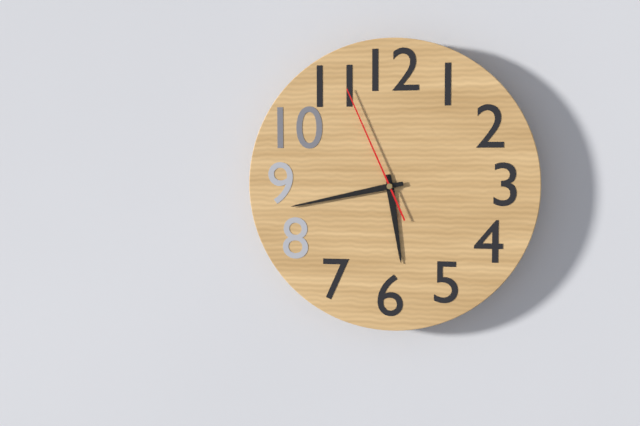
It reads 5h43m56s
